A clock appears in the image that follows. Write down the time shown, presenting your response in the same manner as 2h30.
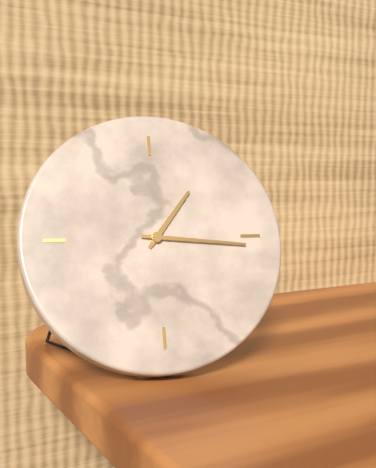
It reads 1h16
